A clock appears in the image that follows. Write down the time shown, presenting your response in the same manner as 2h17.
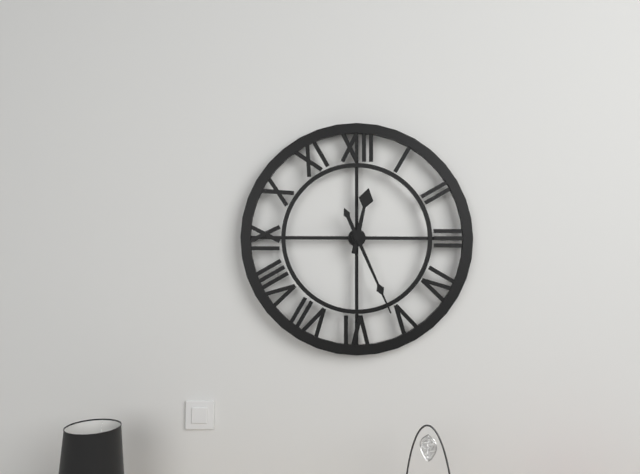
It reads 12h26
